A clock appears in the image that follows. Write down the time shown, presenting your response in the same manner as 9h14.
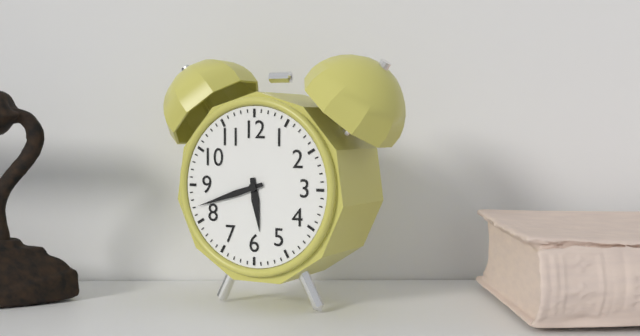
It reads 5h42
